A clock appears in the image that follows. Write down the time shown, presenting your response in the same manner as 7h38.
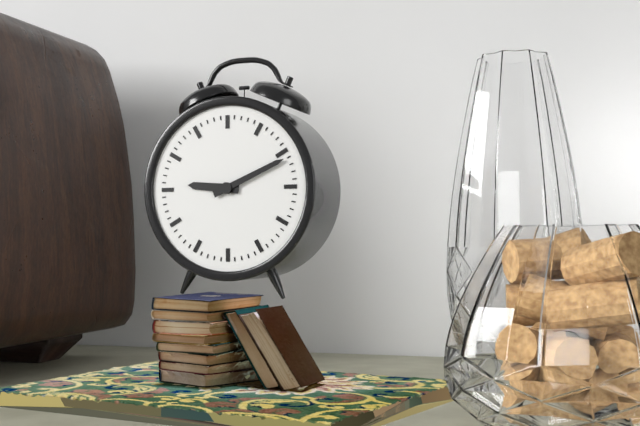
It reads 9h11
